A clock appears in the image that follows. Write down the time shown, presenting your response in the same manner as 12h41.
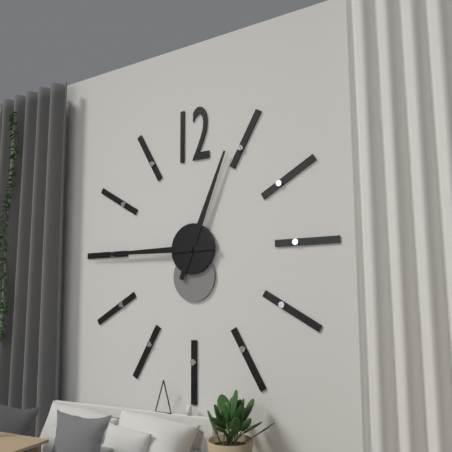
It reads 12h45
